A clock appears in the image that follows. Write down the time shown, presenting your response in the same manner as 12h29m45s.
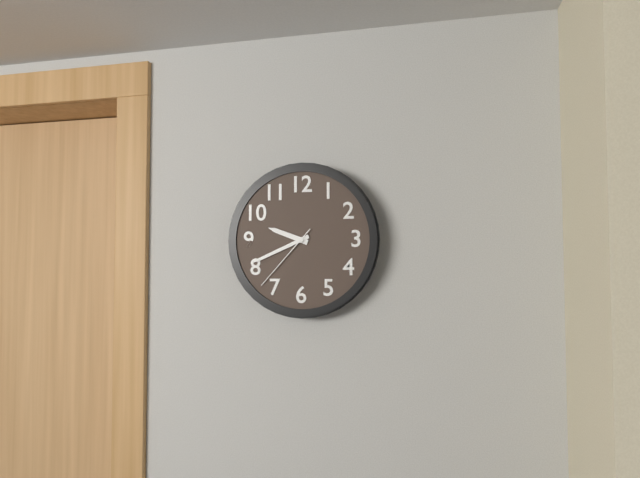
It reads 9h41m37s
